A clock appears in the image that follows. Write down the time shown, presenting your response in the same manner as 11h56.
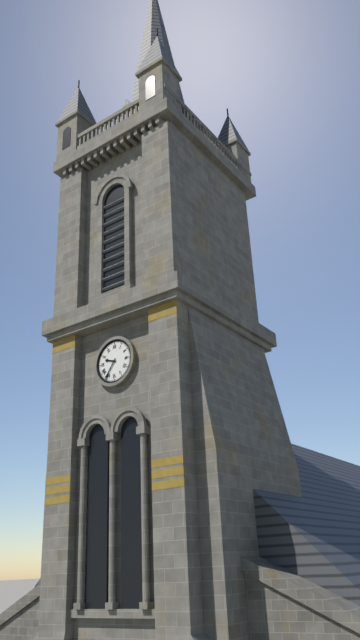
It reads 9h36
